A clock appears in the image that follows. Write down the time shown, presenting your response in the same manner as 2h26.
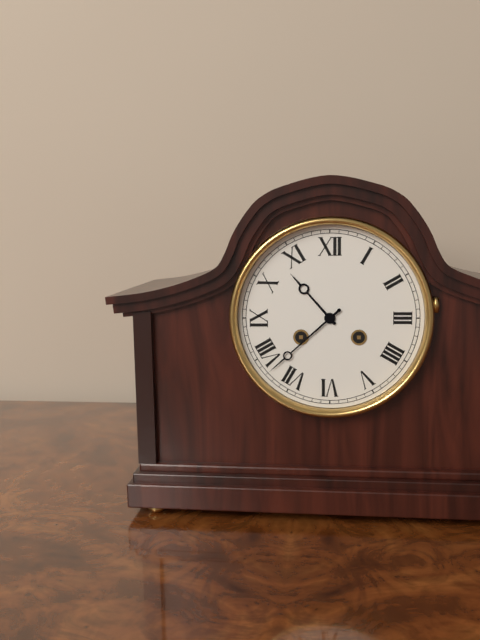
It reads 10h38
